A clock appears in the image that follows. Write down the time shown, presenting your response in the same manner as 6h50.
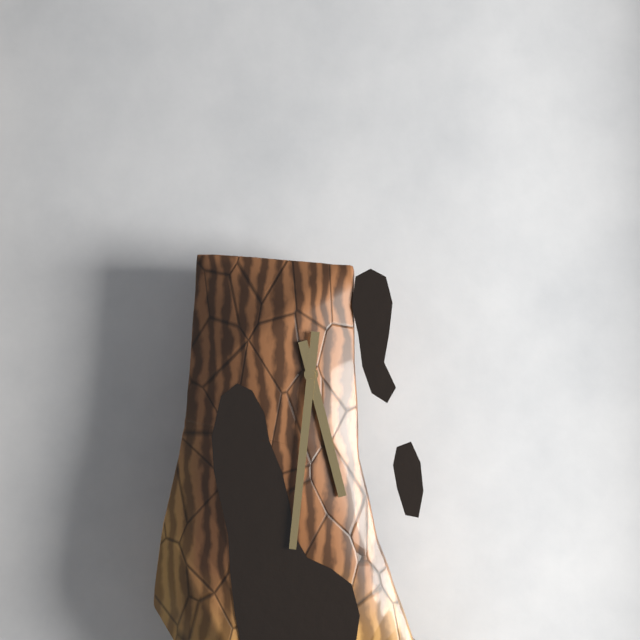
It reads 5h31
